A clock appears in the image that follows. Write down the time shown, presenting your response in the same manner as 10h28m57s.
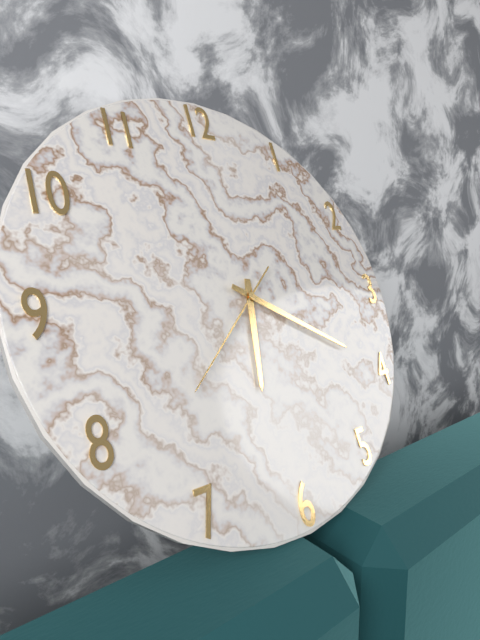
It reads 6h20m38s
